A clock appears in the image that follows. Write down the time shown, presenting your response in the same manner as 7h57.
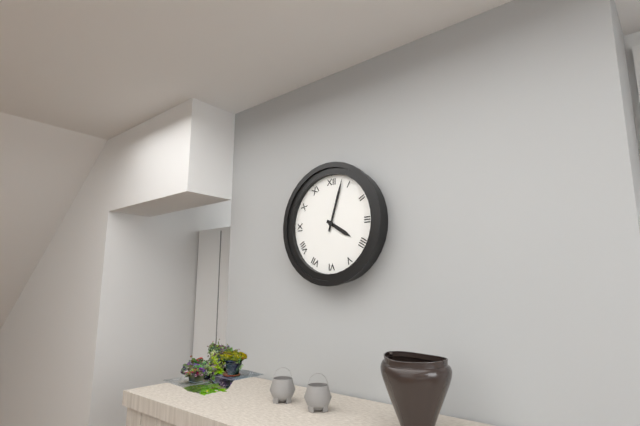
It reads 4h03
